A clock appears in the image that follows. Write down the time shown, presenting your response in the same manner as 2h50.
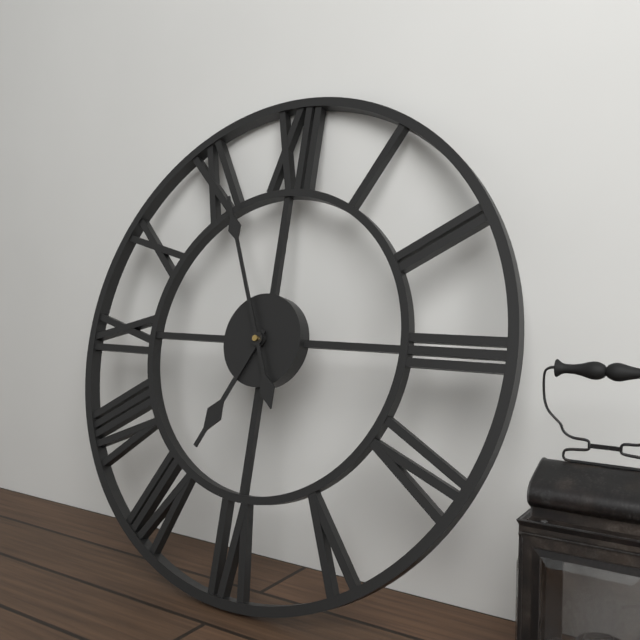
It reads 6h56
